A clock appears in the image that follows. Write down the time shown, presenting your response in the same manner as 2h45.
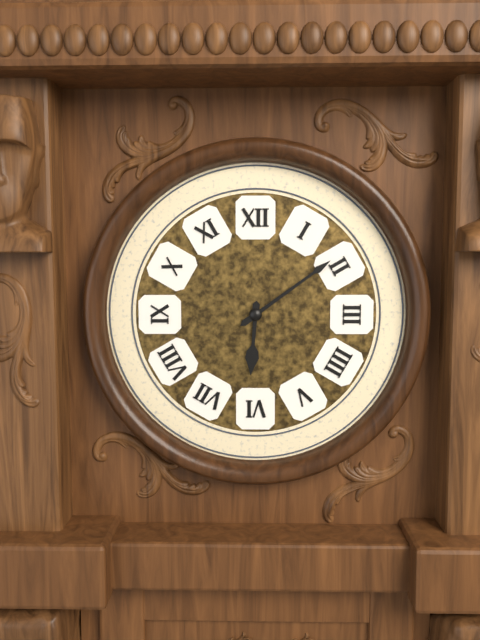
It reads 6h09
